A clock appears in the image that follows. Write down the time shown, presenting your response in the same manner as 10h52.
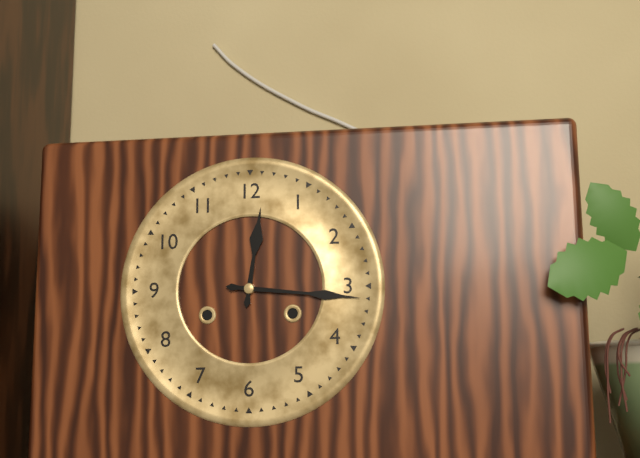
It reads 12h16
